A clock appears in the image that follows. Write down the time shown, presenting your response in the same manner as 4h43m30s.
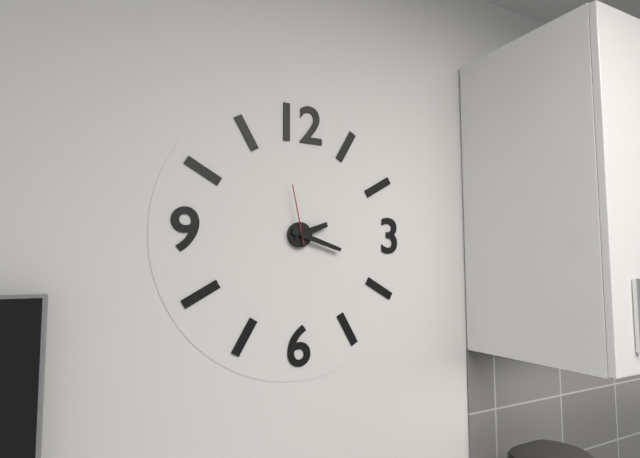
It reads 2h18m58s
